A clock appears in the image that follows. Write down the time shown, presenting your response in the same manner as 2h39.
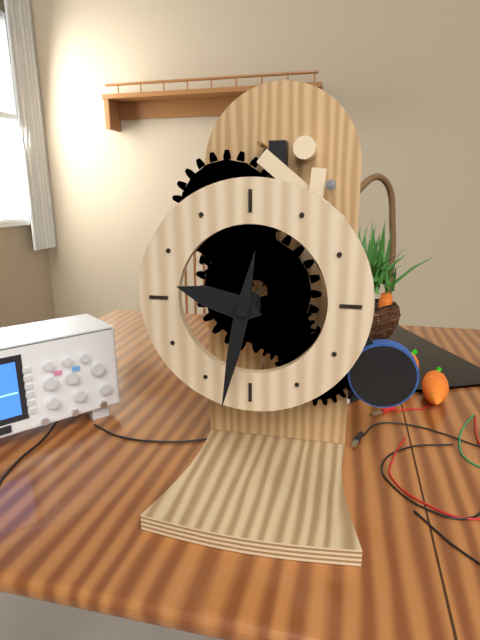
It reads 9h32
